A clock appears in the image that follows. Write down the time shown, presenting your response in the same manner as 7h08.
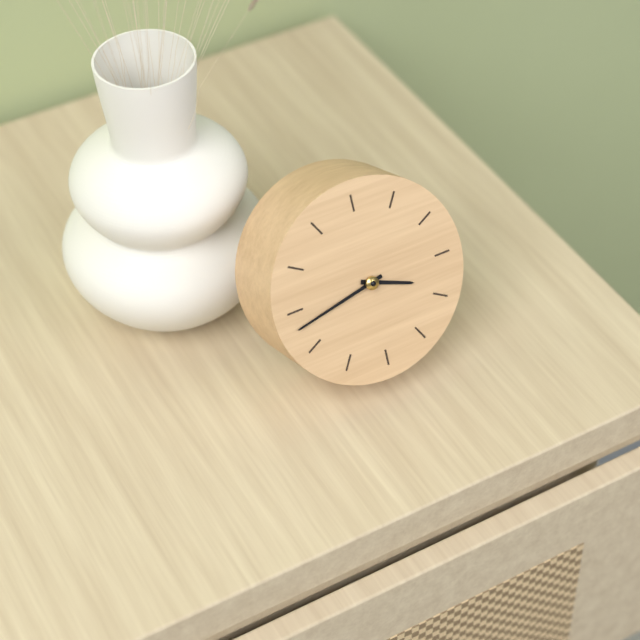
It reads 3h43
